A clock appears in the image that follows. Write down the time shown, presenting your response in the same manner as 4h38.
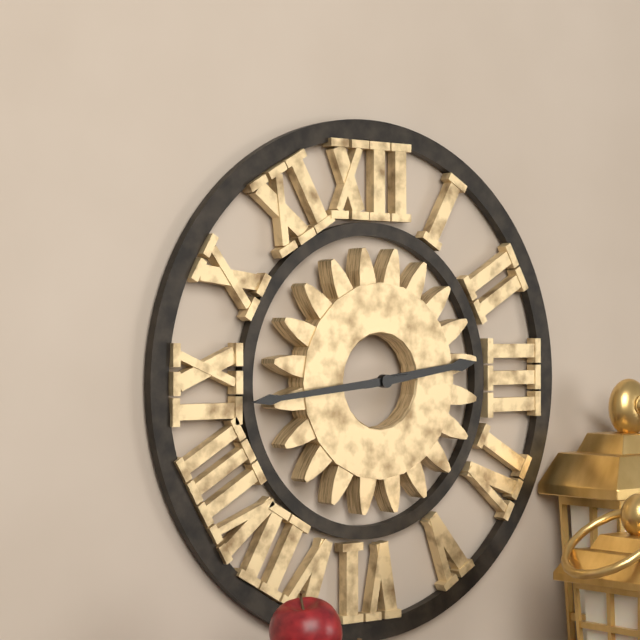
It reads 2h44
